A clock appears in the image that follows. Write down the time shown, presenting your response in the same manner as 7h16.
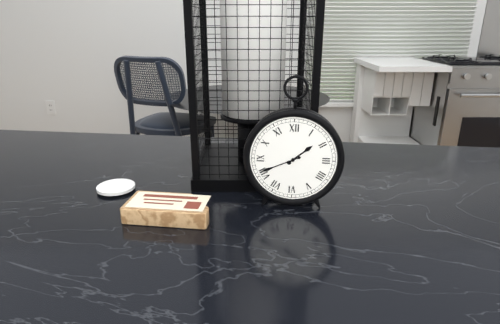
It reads 1h41
